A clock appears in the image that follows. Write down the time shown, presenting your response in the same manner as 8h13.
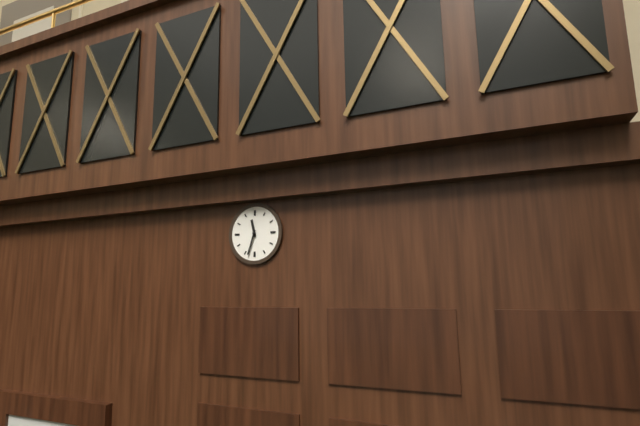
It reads 11h33
